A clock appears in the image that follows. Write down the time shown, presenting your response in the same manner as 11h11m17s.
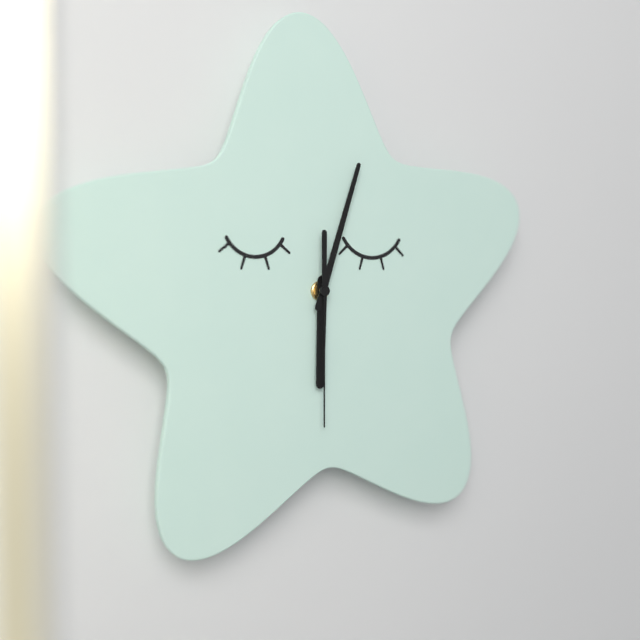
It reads 6h03m30s
